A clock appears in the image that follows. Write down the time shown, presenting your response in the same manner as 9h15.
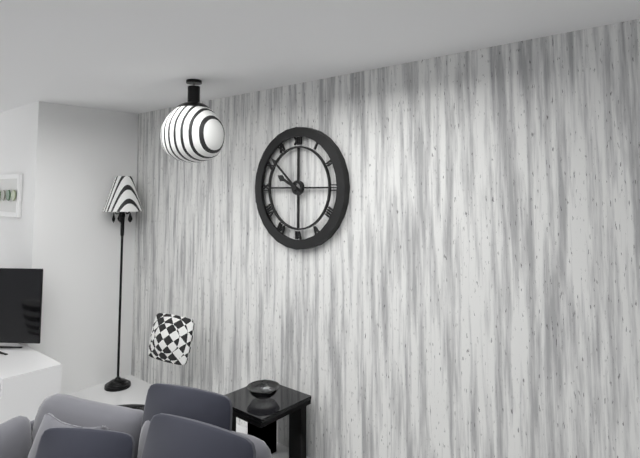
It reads 9h52
